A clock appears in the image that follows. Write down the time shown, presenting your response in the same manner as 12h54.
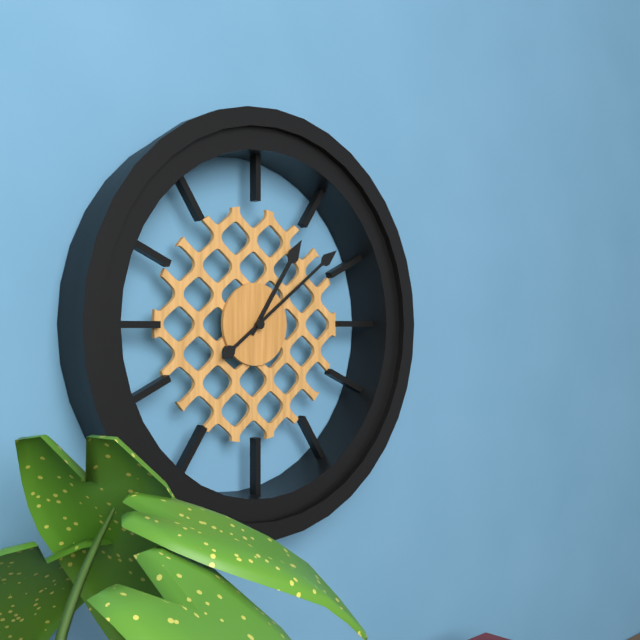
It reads 1h09
